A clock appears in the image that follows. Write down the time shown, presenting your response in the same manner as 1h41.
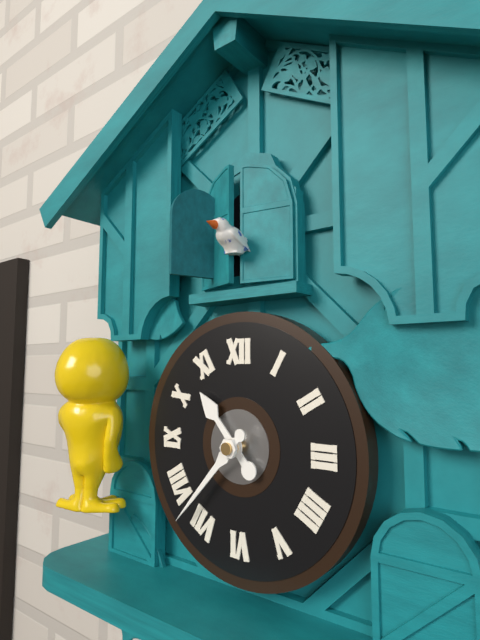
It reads 10h37
